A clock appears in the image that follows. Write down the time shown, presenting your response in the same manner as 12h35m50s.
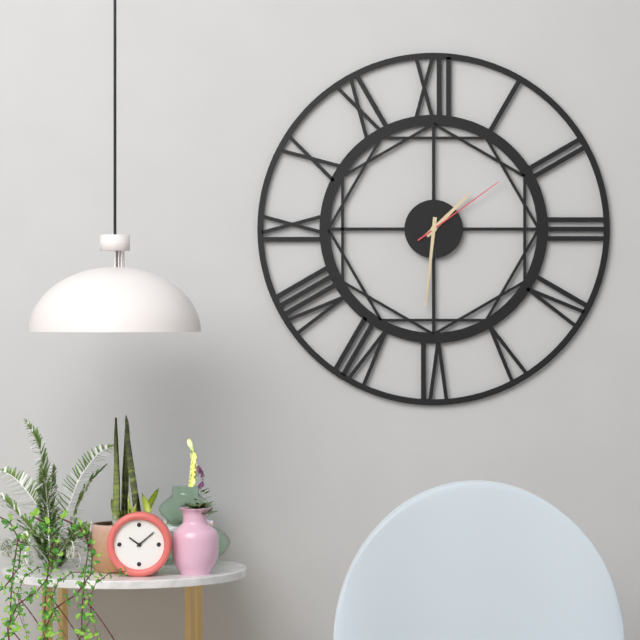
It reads 1h31m09s
